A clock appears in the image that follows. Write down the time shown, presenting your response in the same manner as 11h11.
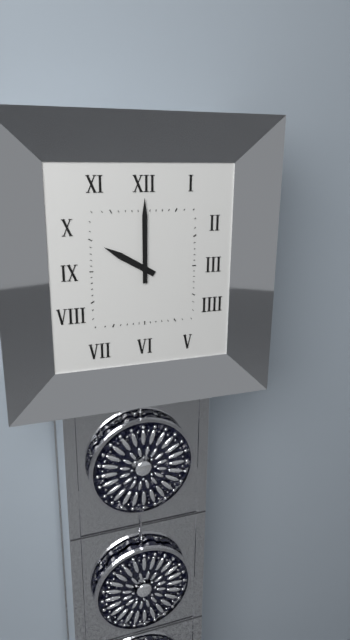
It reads 10h00
